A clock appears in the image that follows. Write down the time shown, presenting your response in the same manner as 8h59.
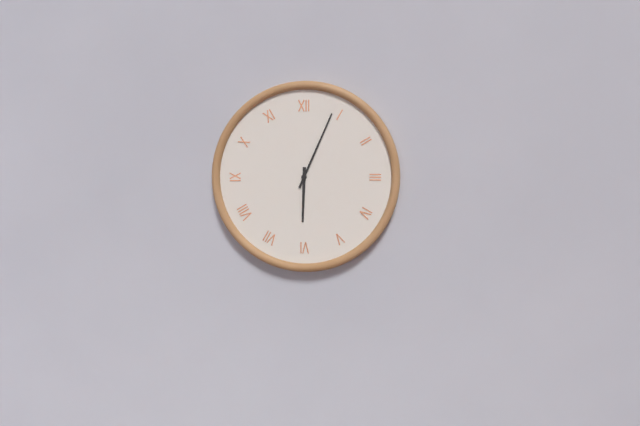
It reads 6h04
